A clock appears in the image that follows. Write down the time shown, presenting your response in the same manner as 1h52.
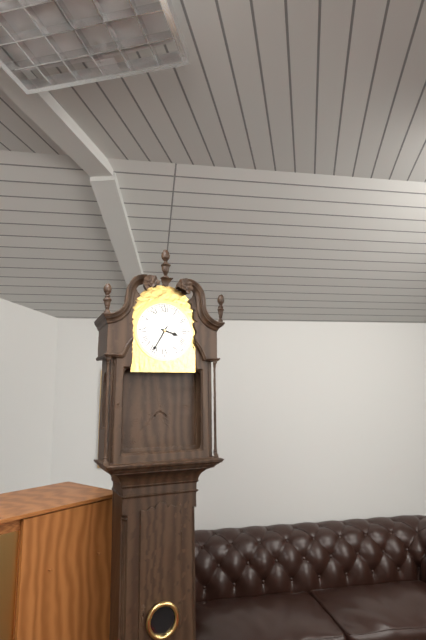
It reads 3h35
